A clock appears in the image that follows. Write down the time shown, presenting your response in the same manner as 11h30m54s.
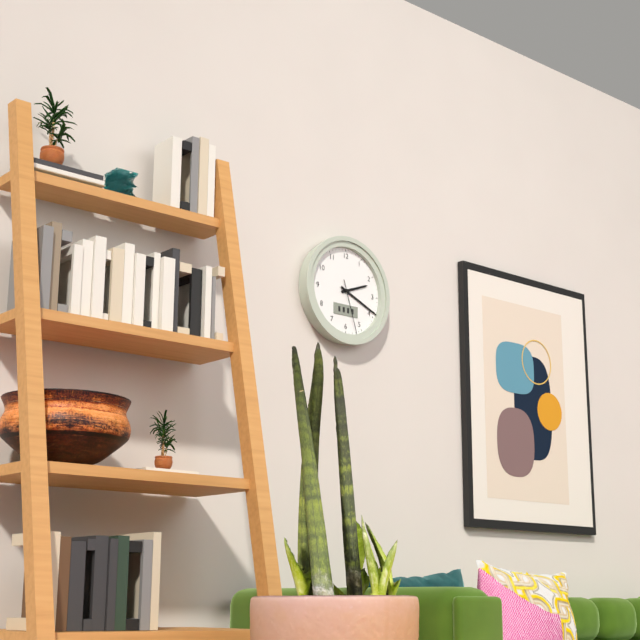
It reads 2h19m27s
